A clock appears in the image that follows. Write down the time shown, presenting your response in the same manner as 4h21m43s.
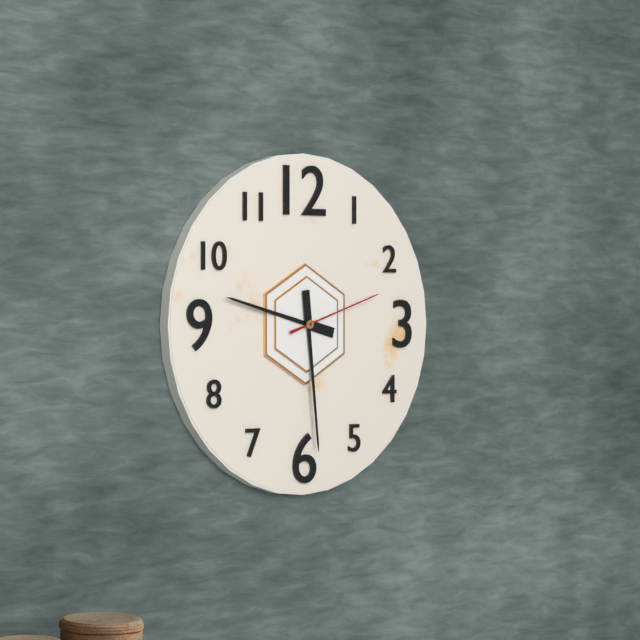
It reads 9h29m12s
